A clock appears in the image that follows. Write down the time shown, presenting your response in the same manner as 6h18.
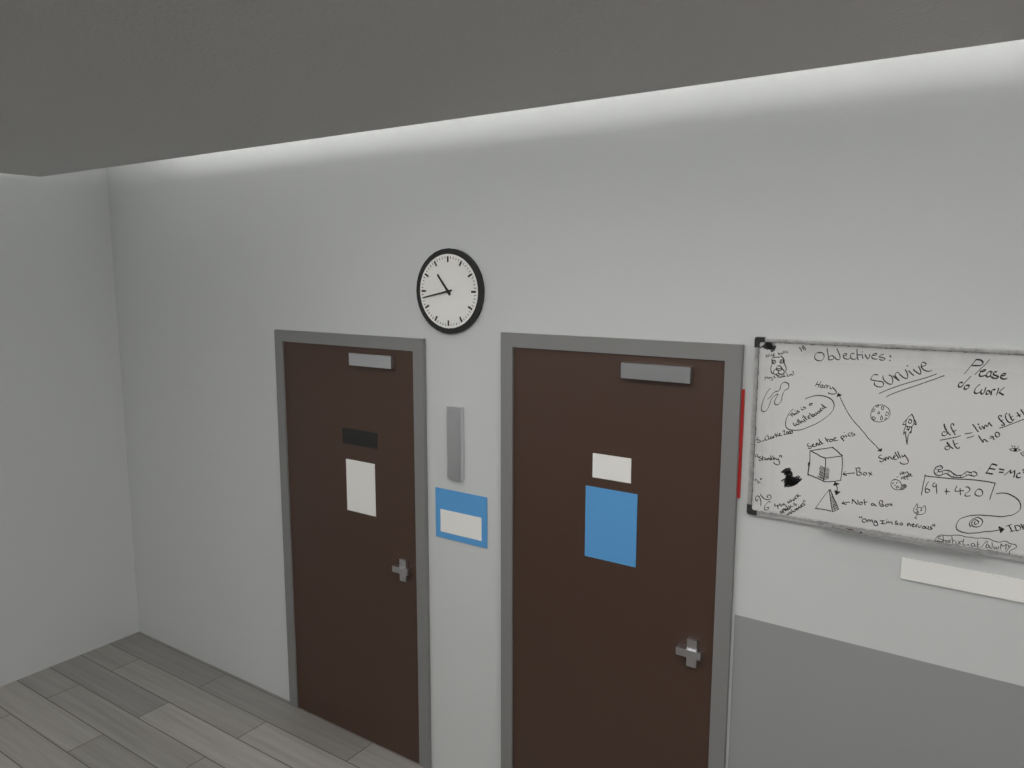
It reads 10h43
